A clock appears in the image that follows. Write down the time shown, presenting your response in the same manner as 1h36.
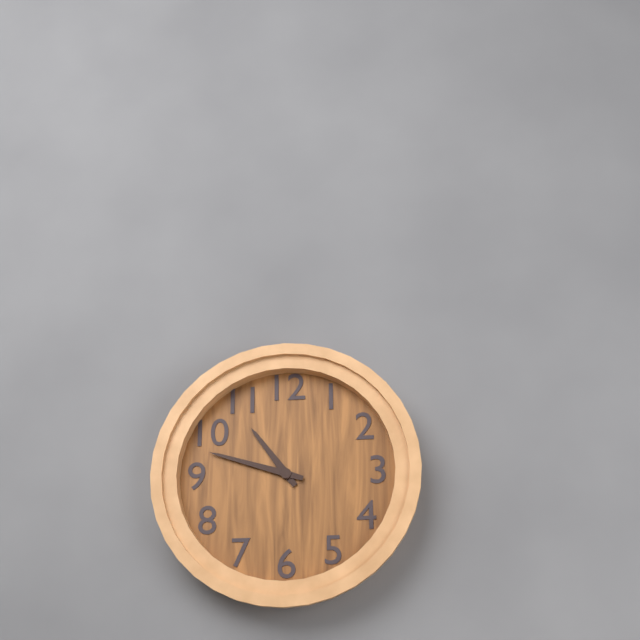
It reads 10h48
